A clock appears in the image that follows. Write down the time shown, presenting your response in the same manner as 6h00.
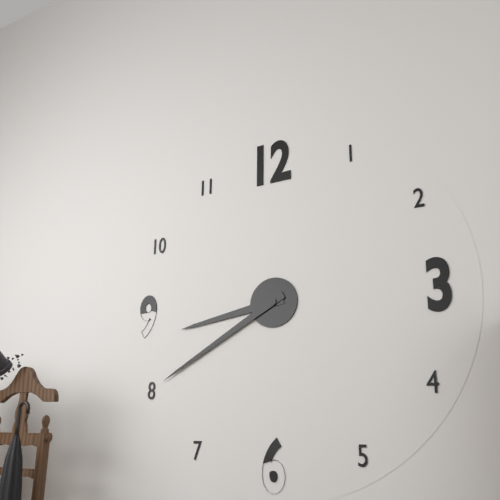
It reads 8h40
